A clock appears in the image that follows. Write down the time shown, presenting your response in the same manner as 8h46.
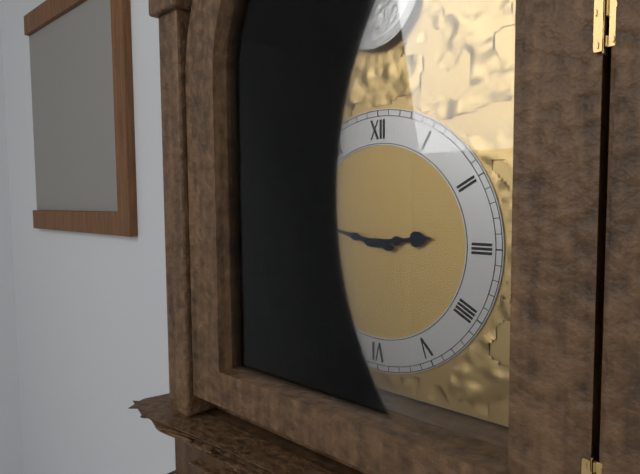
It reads 2h47
